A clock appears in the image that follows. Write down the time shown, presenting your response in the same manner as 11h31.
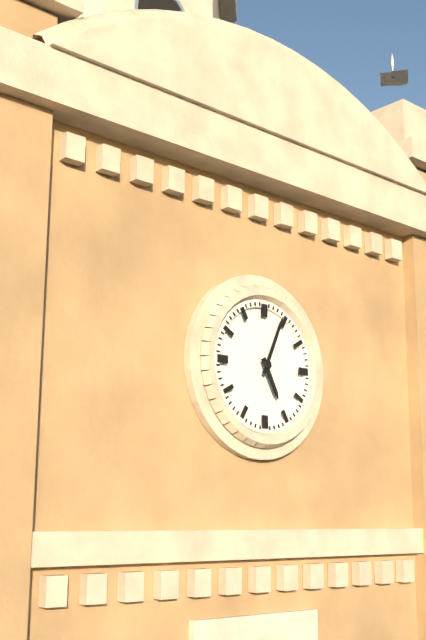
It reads 5h04
